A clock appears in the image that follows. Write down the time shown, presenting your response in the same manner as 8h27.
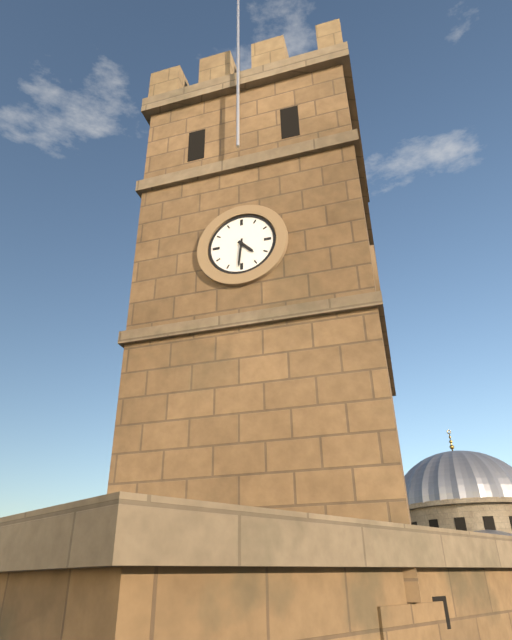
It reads 4h31
